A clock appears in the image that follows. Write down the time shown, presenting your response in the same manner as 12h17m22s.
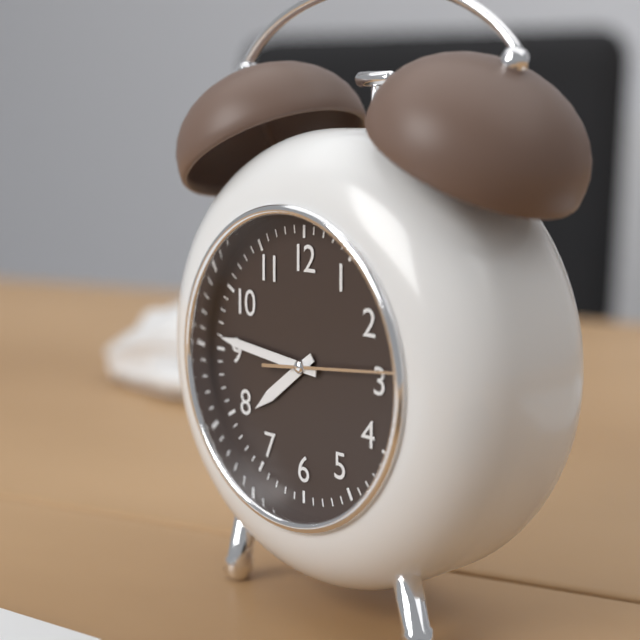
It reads 7h46m14s
